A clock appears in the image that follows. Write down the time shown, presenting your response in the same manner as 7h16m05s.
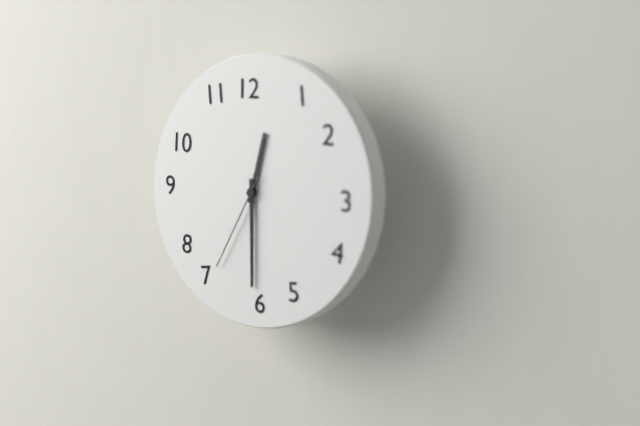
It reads 12h30m35s
